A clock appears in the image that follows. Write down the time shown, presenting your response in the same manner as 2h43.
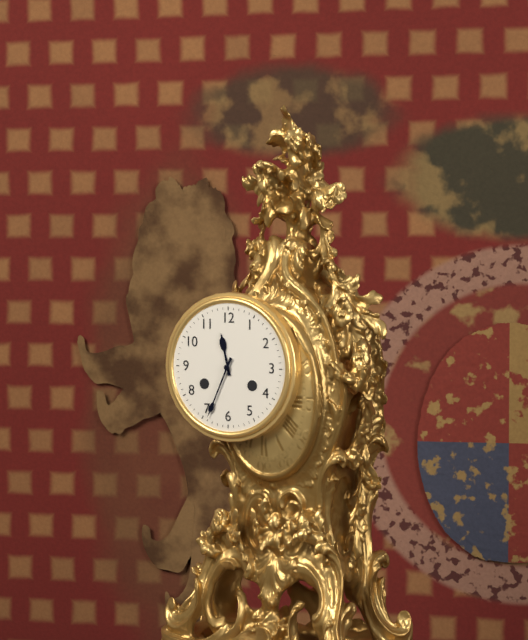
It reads 11h34
